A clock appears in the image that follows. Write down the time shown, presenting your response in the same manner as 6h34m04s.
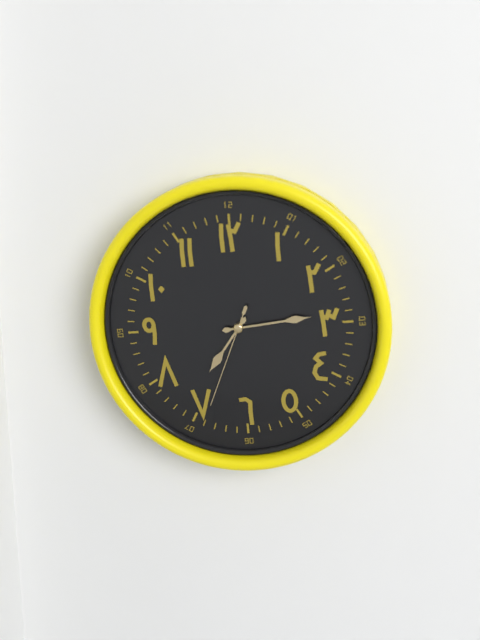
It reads 7h14m34s
